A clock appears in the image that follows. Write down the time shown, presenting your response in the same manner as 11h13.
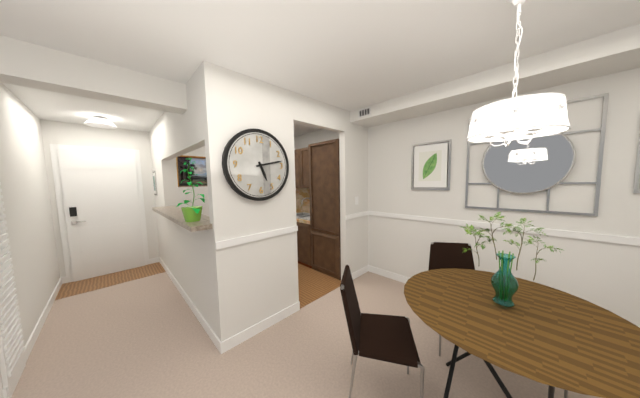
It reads 5h13
